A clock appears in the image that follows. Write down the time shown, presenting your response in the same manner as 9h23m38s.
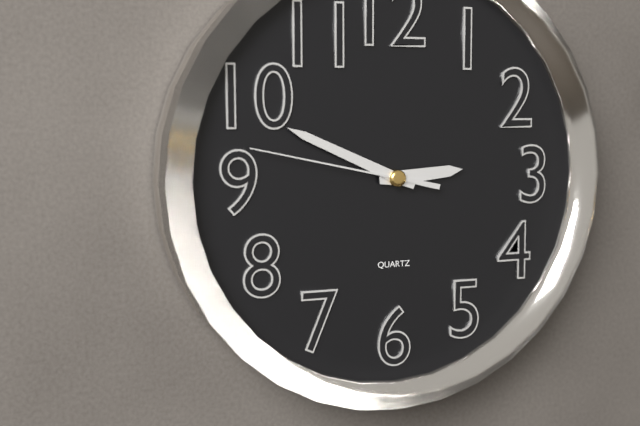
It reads 2h49m47s
